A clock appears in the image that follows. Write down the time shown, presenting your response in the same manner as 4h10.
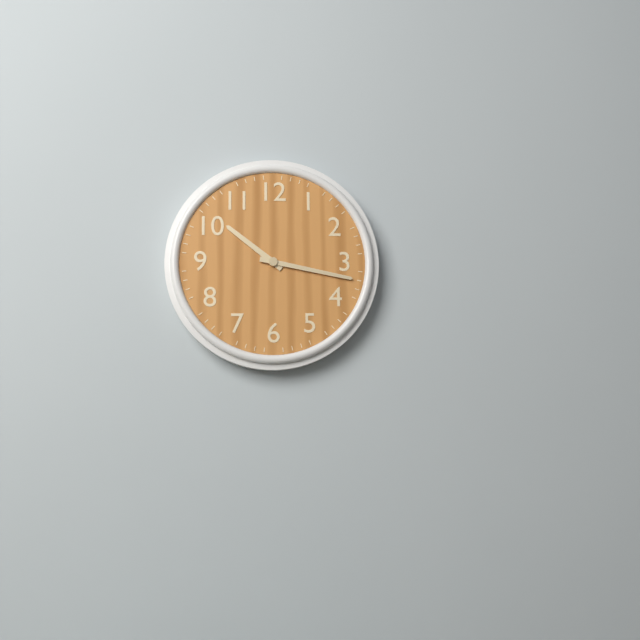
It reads 10h17
